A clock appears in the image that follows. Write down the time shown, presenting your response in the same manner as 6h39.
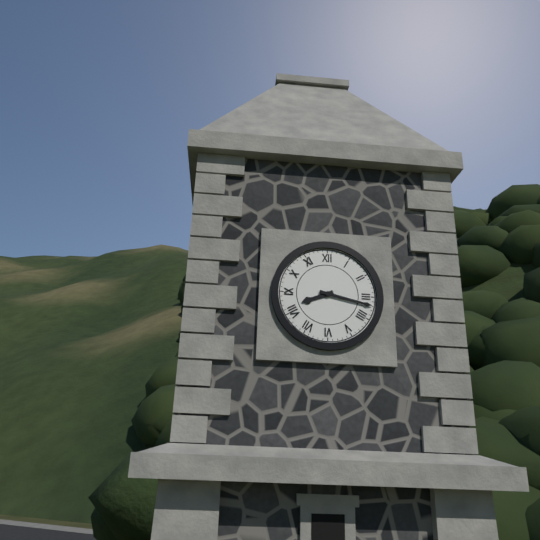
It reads 8h17
